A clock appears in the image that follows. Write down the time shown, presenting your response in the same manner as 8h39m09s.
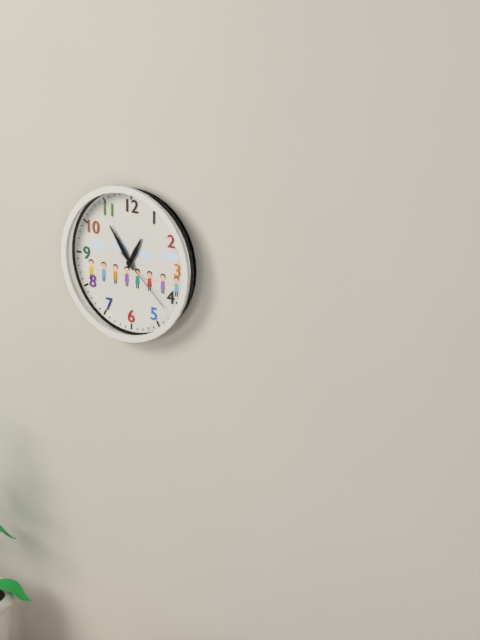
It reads 12h54m22s
